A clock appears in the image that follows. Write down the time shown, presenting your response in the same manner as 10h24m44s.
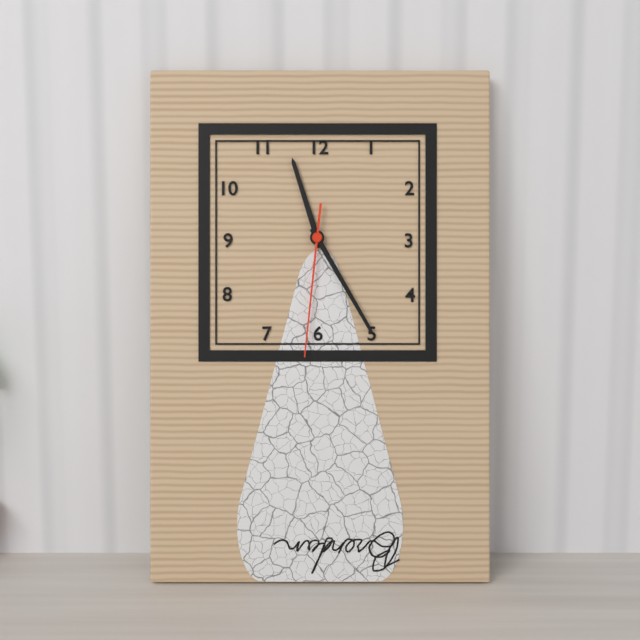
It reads 11h25m31s
